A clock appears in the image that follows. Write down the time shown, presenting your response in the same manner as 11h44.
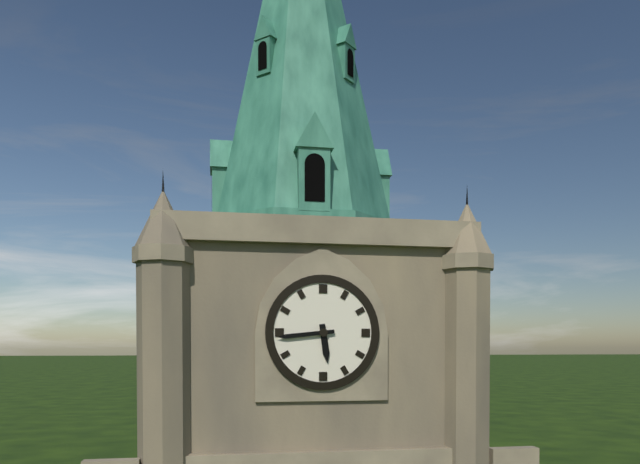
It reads 5h44
